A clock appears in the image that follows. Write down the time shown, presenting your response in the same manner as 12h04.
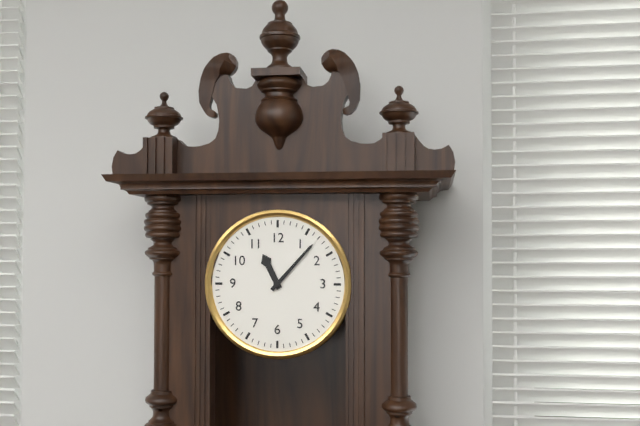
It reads 11h07
